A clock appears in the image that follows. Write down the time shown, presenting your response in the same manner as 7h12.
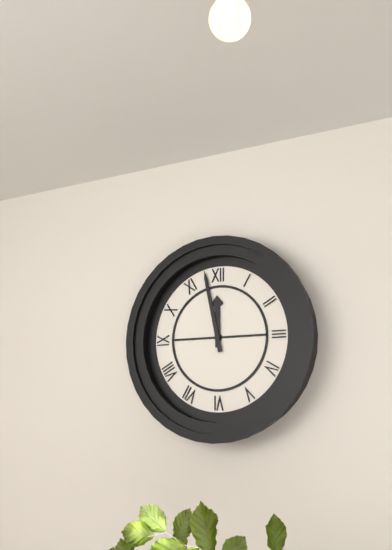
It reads 11h58
